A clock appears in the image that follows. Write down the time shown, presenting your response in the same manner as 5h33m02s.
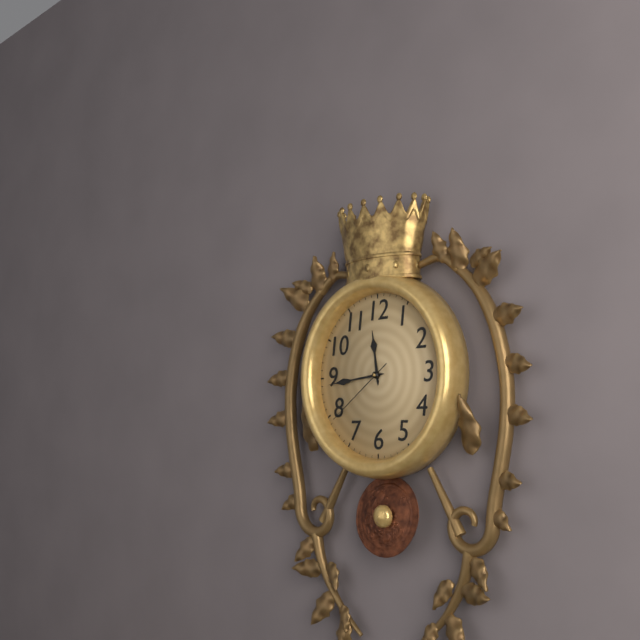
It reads 11h44m39s
